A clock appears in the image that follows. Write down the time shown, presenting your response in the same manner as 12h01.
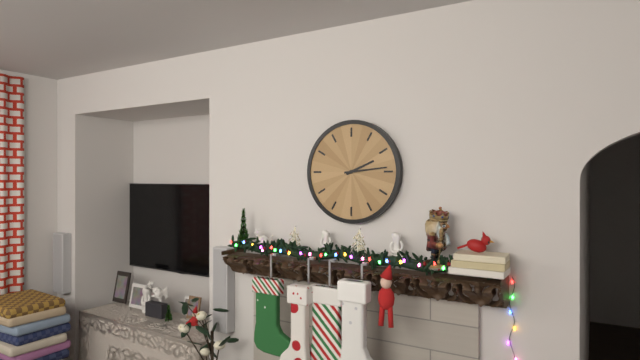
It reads 2h14
